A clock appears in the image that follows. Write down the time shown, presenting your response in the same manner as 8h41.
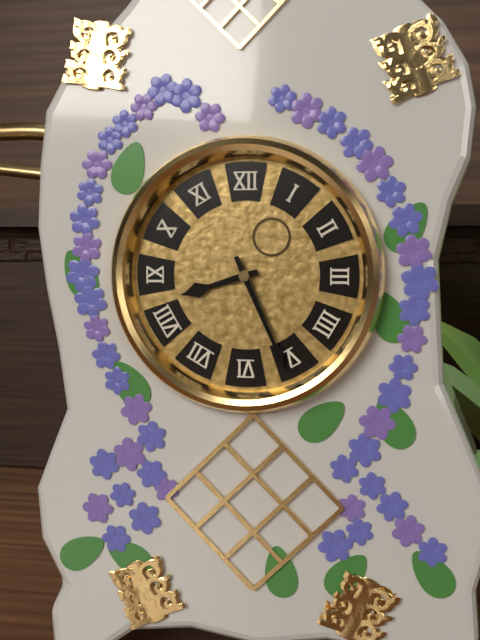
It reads 8h26
